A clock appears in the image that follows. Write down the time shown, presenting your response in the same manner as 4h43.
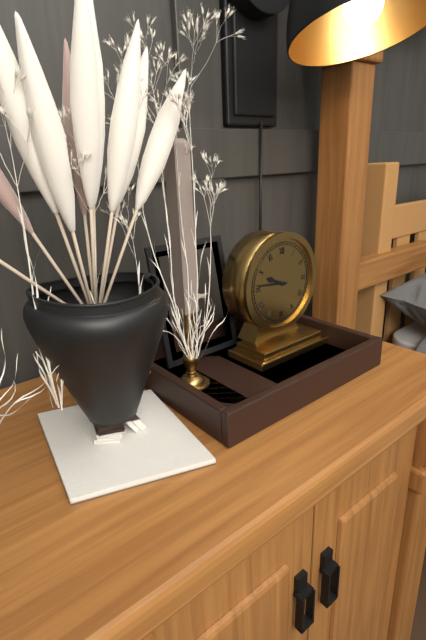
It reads 9h46
